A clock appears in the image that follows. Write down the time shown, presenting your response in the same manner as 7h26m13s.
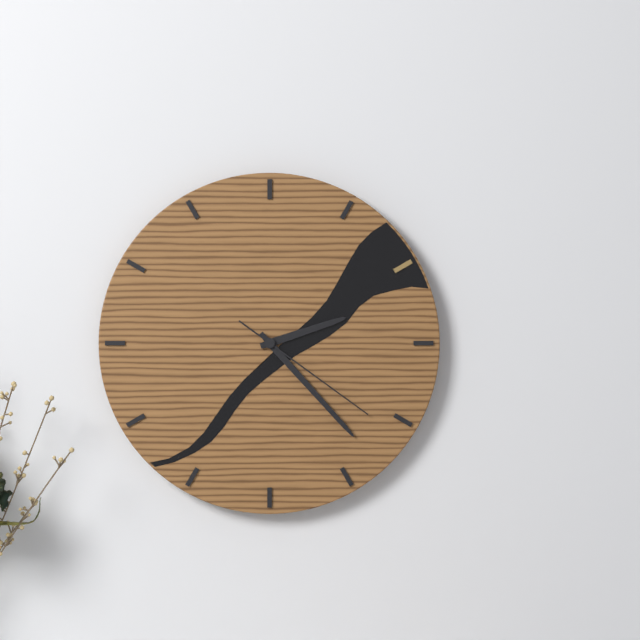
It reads 2h23m21s
